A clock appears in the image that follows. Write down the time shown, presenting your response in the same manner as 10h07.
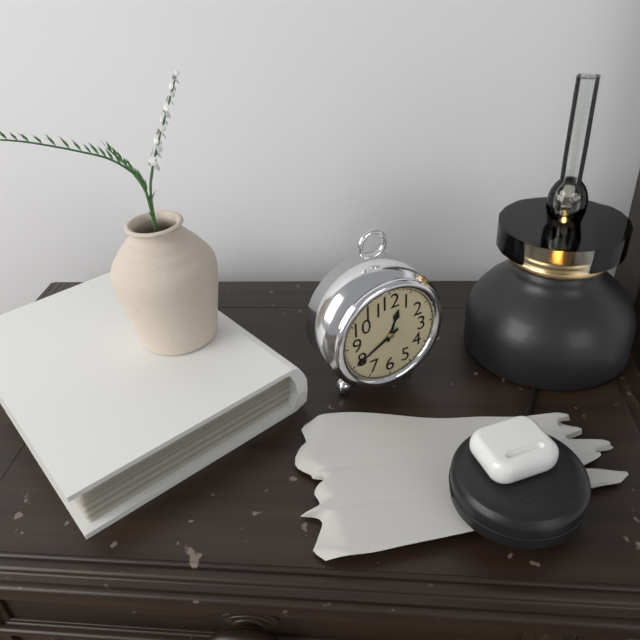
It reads 12h40
